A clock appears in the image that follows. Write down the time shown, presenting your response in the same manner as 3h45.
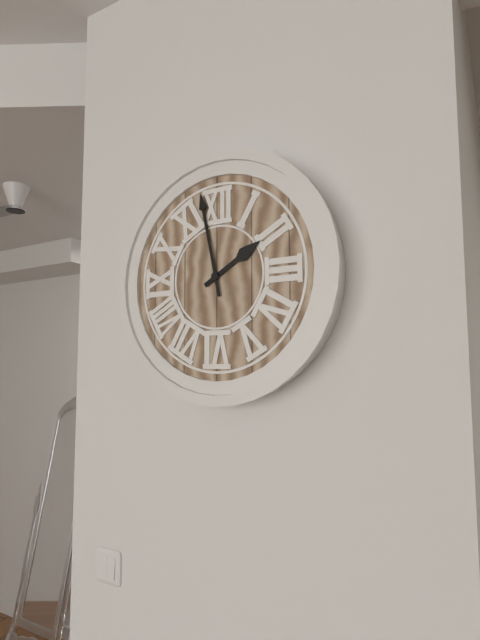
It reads 1h58
